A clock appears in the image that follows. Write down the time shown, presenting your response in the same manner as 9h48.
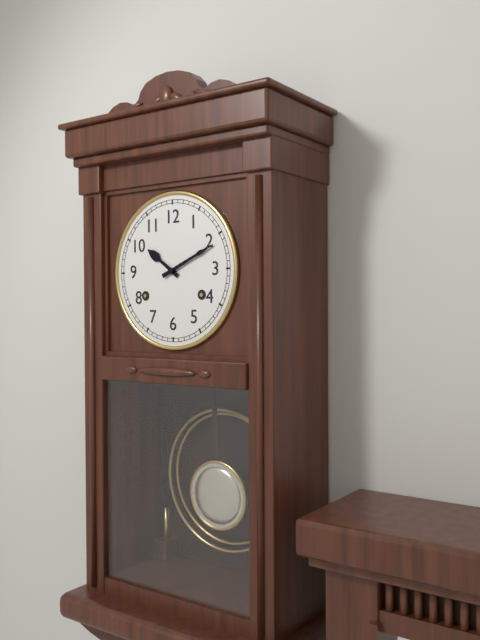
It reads 10h11
